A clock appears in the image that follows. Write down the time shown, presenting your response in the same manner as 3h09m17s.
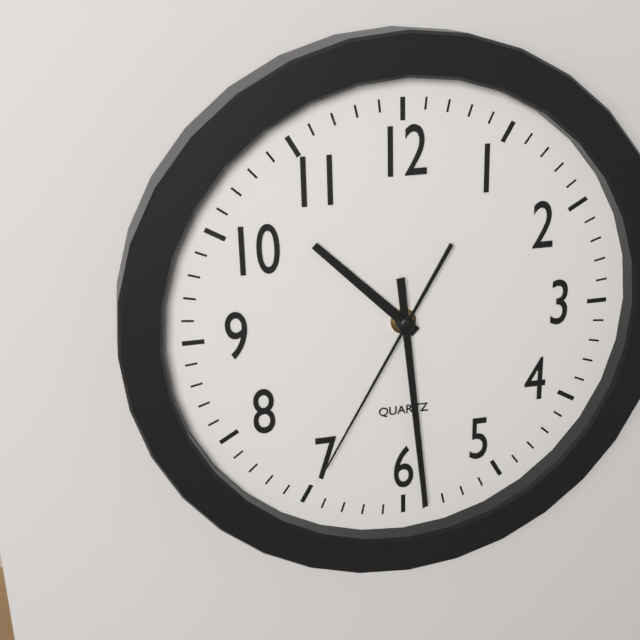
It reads 10h29m35s
